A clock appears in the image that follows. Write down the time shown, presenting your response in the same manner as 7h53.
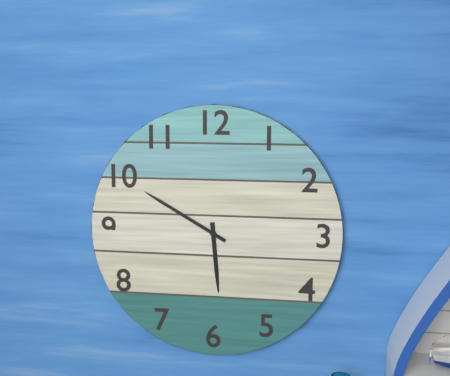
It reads 5h50
